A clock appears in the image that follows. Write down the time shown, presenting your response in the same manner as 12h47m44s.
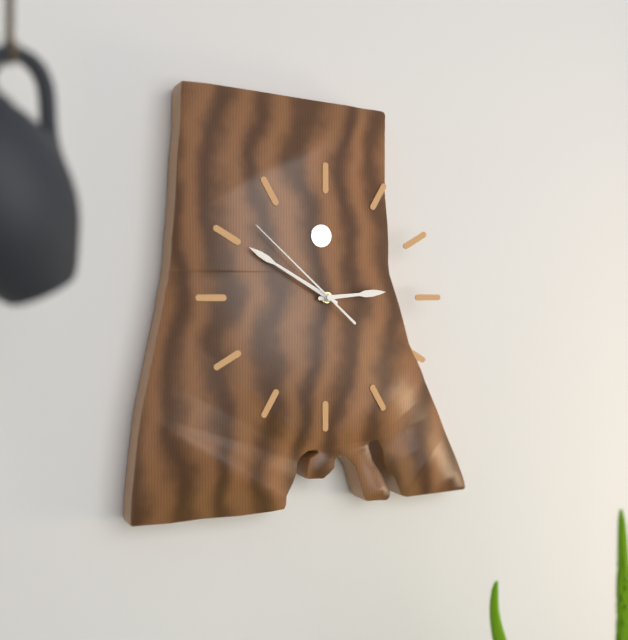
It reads 2h50m52s
